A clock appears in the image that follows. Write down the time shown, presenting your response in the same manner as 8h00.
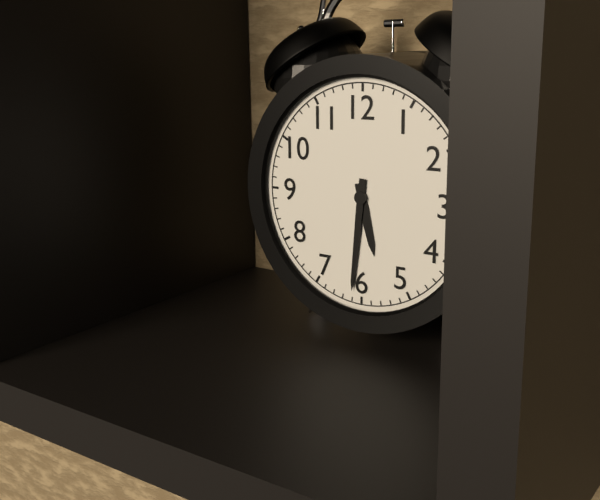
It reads 5h31
